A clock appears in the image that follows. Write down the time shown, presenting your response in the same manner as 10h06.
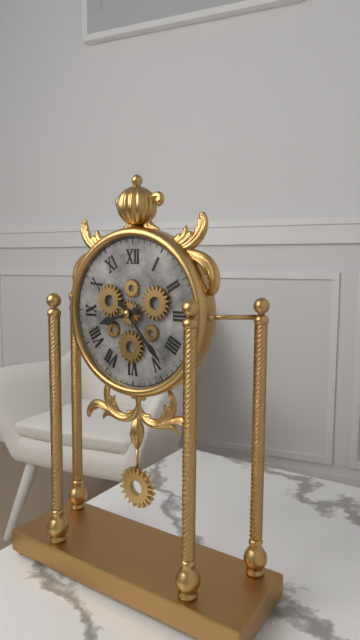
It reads 8h23
